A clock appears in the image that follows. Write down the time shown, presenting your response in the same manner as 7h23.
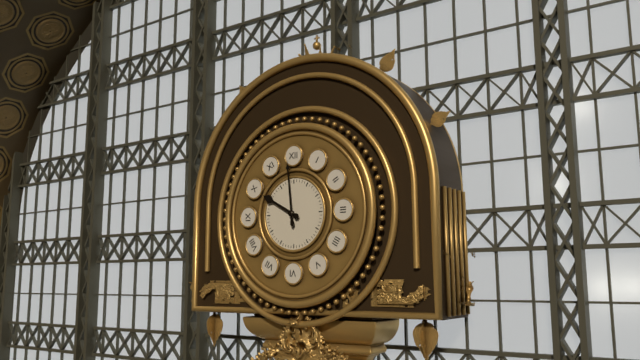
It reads 9h59
